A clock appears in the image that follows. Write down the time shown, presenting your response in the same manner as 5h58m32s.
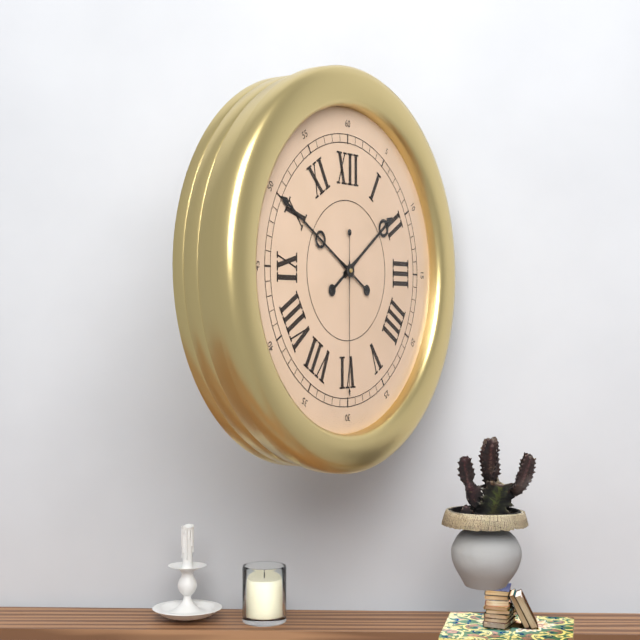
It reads 1h50m30s
